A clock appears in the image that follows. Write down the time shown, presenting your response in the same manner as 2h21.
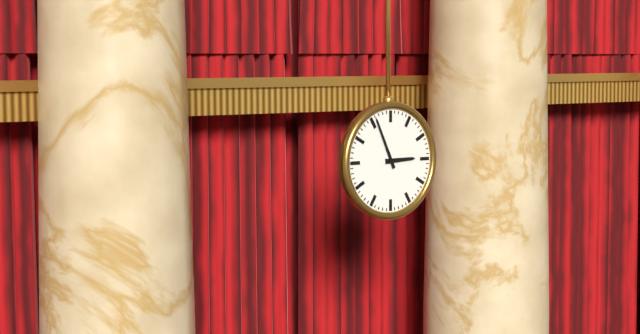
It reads 2h56
